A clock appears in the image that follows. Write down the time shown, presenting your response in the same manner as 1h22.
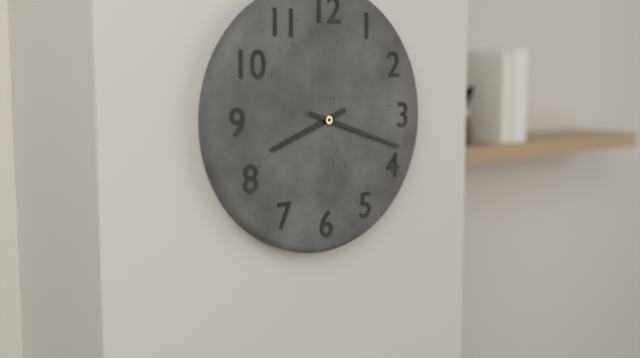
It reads 8h18
